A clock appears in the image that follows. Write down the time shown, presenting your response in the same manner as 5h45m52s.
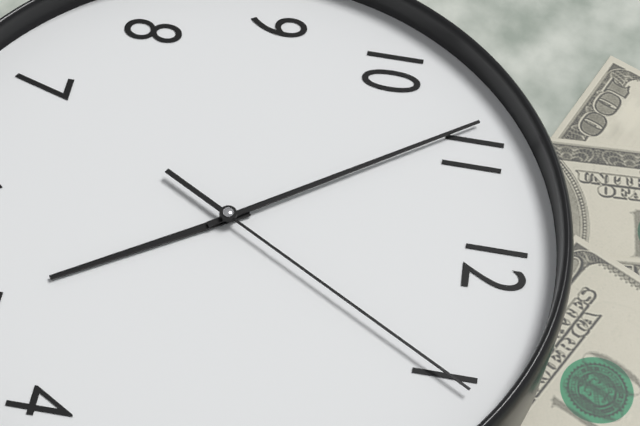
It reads 4h54m05s
